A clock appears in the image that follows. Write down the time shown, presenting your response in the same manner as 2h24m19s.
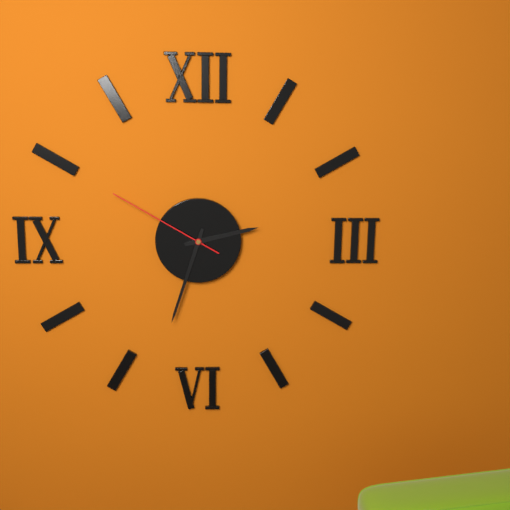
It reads 2h33m50s
